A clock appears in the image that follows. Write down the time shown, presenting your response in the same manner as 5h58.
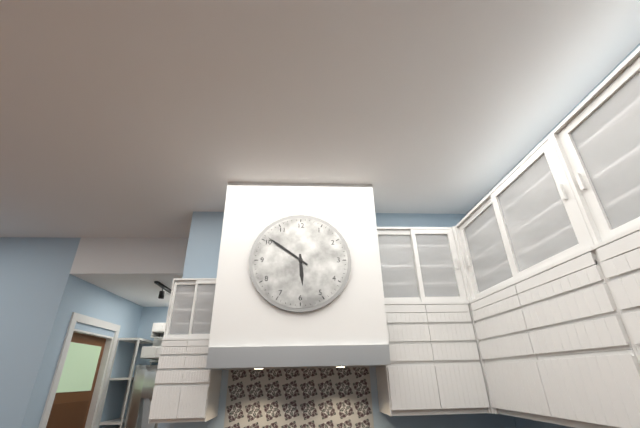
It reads 5h51
